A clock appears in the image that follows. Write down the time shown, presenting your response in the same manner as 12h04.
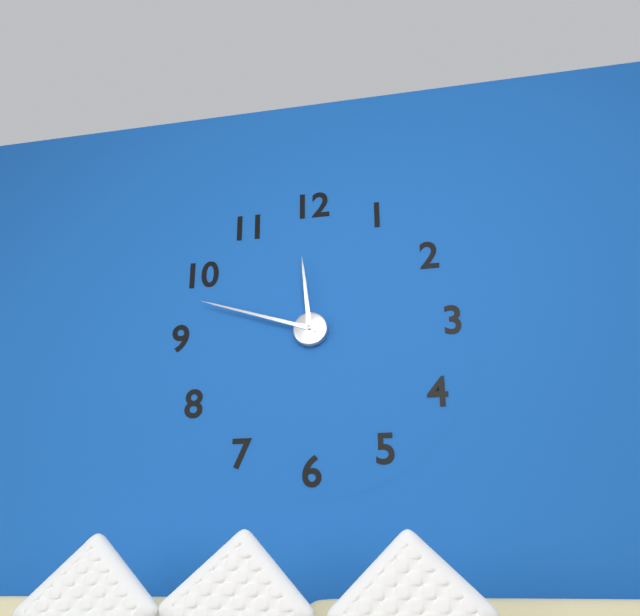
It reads 11h48
